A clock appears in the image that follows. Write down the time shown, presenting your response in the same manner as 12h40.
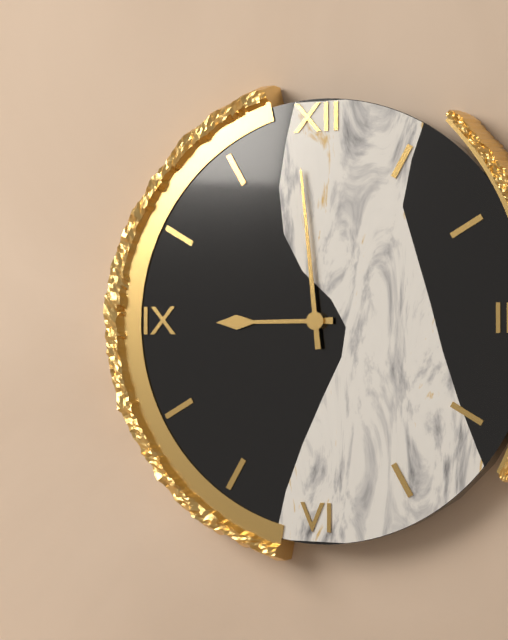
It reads 8h59
